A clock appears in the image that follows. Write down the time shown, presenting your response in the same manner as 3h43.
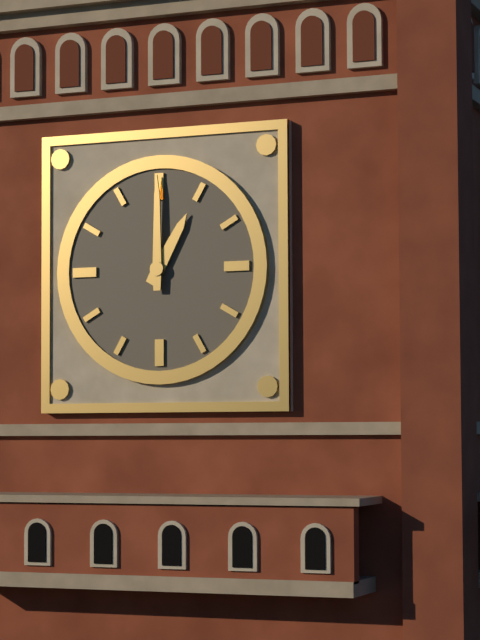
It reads 1h00
